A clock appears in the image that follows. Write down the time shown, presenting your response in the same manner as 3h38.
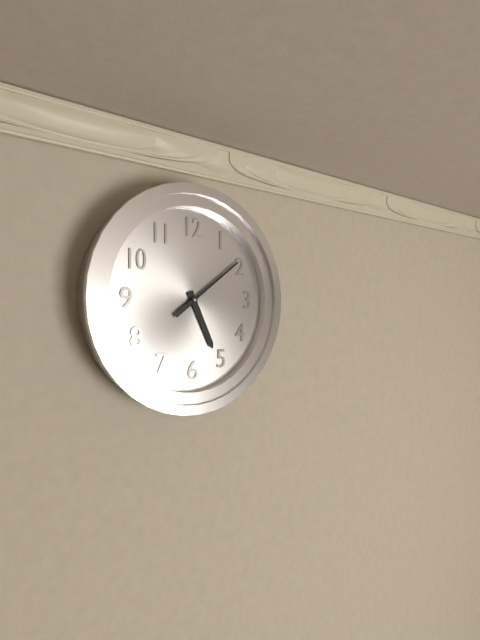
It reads 5h09
